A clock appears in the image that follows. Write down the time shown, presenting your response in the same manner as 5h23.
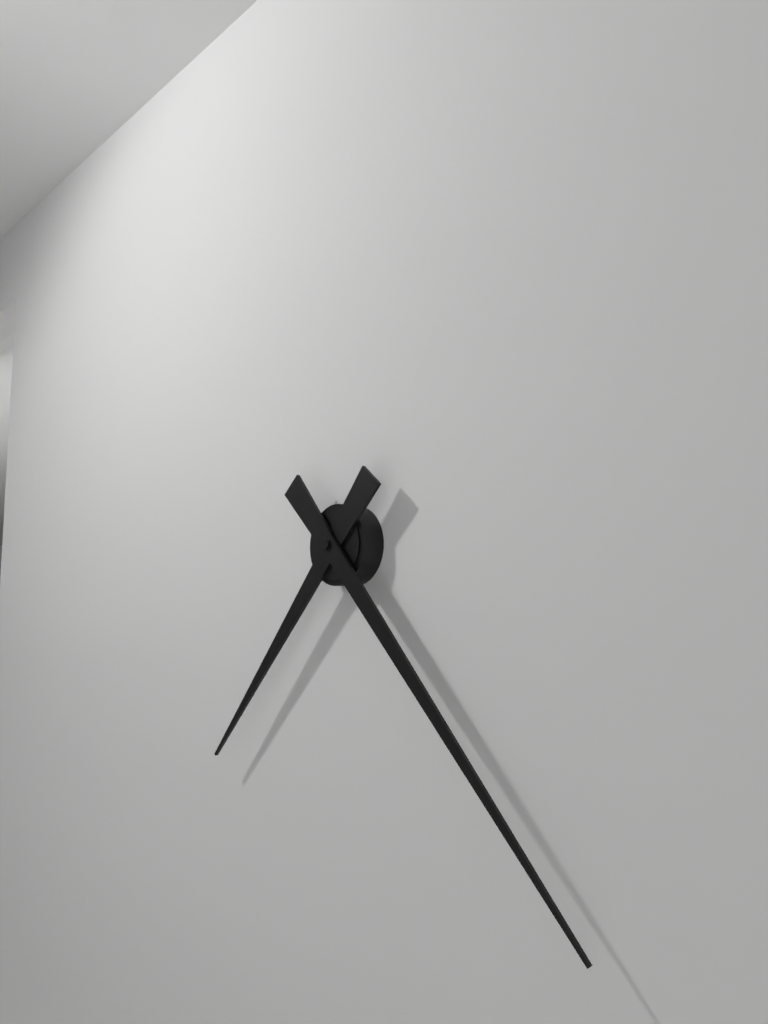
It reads 7h23
